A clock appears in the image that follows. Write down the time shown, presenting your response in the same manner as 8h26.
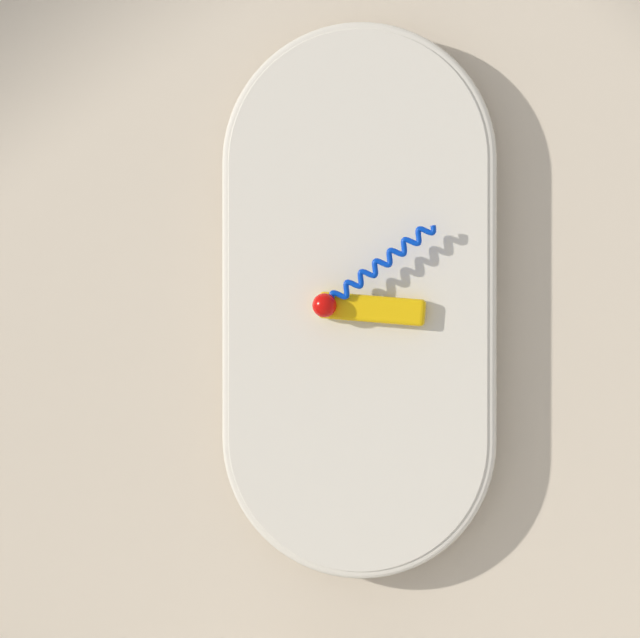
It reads 3h09
